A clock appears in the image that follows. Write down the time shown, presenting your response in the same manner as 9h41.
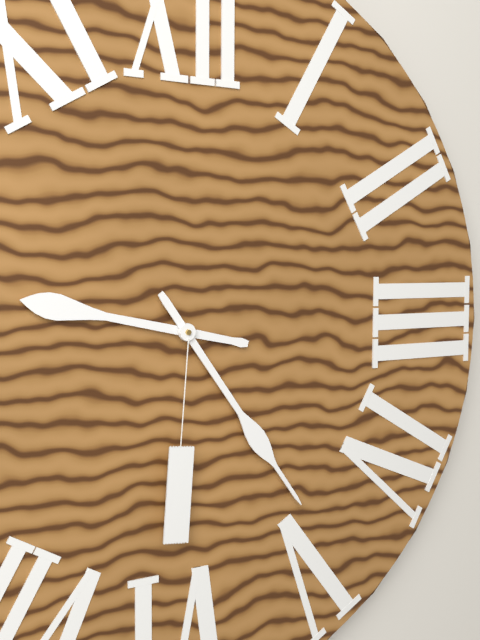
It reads 9h24
